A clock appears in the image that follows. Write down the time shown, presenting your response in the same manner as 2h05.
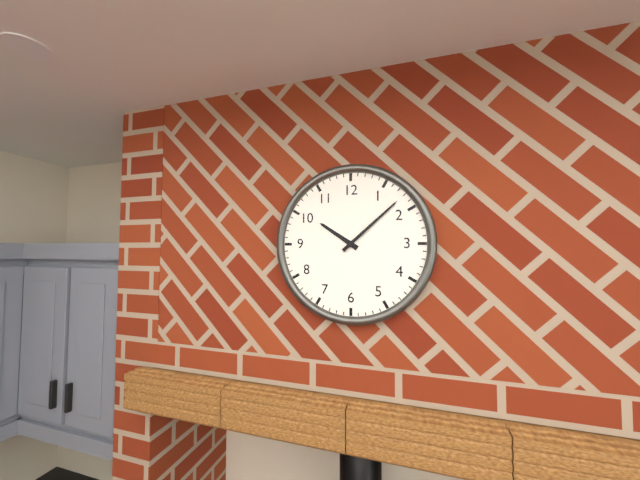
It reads 10h08
